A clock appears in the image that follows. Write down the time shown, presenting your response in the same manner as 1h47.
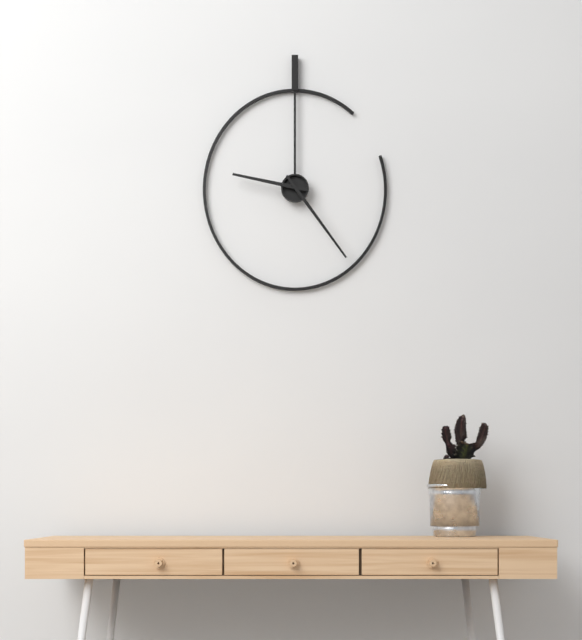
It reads 9h24
